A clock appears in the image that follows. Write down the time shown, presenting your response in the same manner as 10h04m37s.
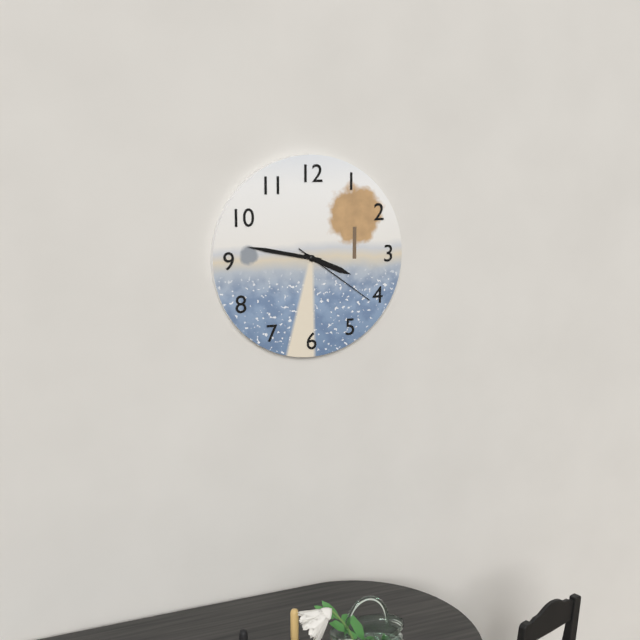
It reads 3h47m21s
